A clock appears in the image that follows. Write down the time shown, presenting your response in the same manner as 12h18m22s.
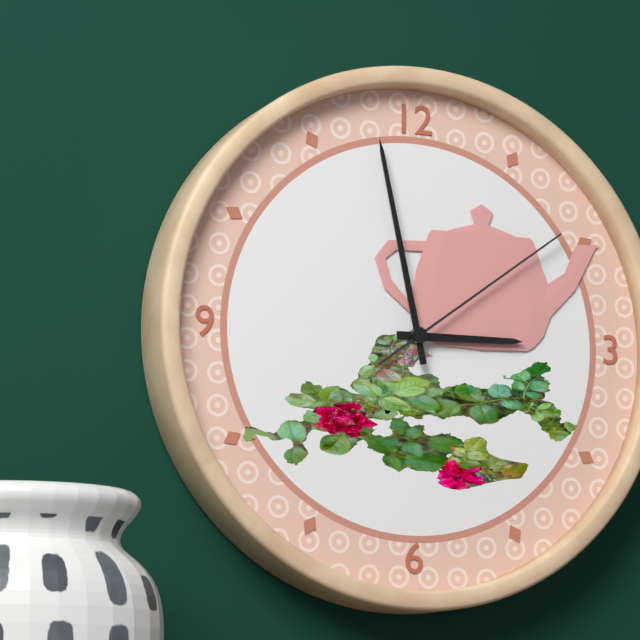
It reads 2h58m09s
